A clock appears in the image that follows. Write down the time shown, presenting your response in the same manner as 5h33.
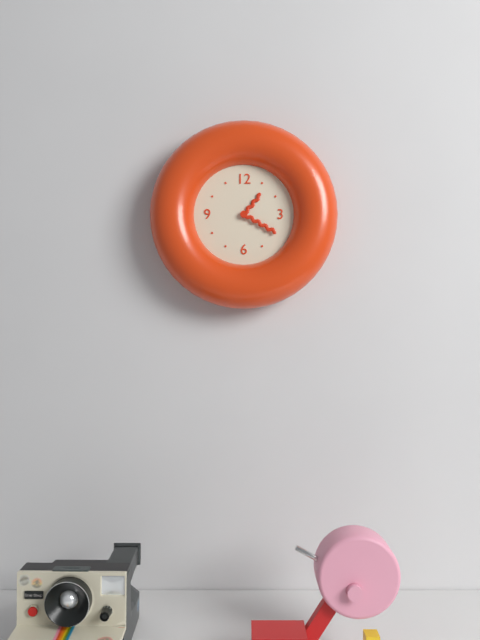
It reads 1h20
